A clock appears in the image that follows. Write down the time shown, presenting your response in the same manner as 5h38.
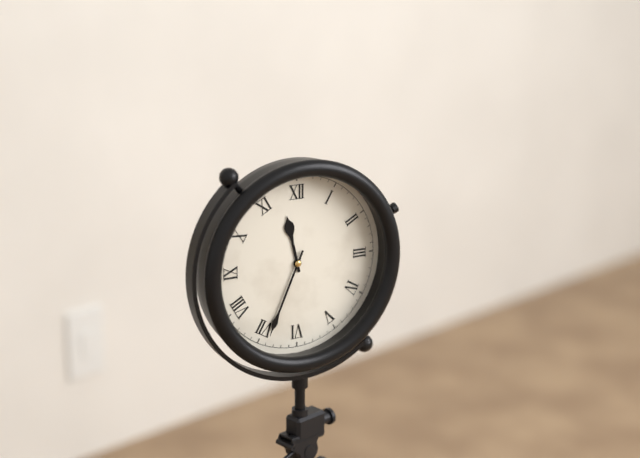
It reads 11h34
